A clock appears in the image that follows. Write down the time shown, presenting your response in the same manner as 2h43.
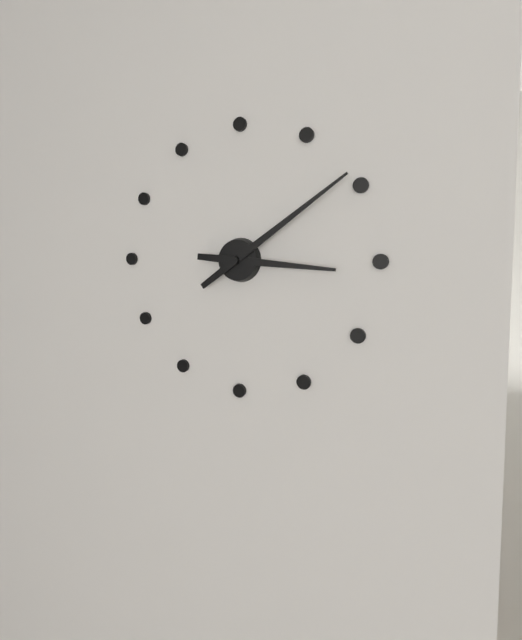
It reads 3h09
